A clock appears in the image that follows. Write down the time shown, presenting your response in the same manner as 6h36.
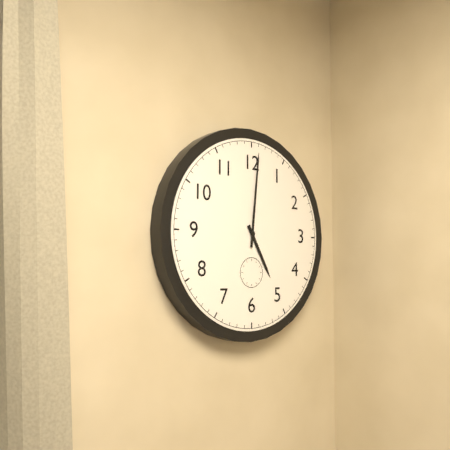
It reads 5h01
